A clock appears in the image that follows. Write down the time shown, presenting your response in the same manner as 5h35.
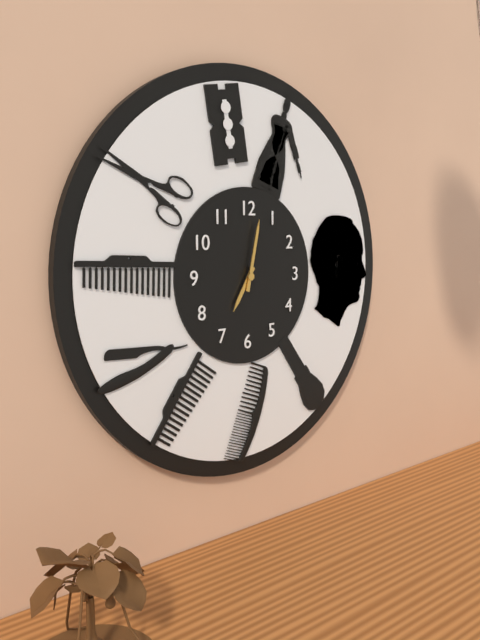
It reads 7h02
